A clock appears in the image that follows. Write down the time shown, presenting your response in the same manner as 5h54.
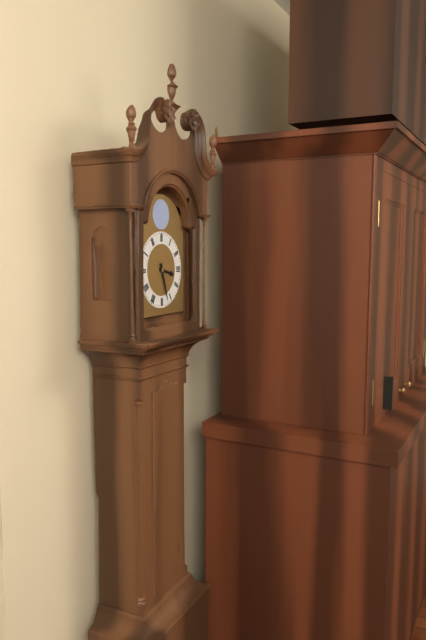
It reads 3h27
